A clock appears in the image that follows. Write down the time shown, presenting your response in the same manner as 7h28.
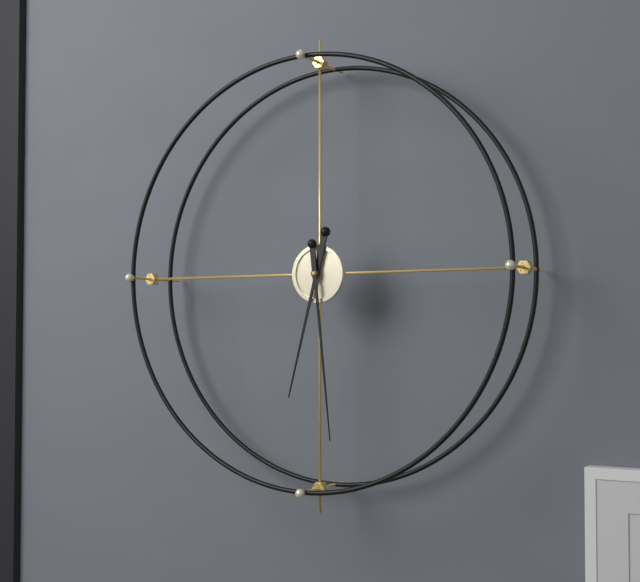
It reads 6h29
